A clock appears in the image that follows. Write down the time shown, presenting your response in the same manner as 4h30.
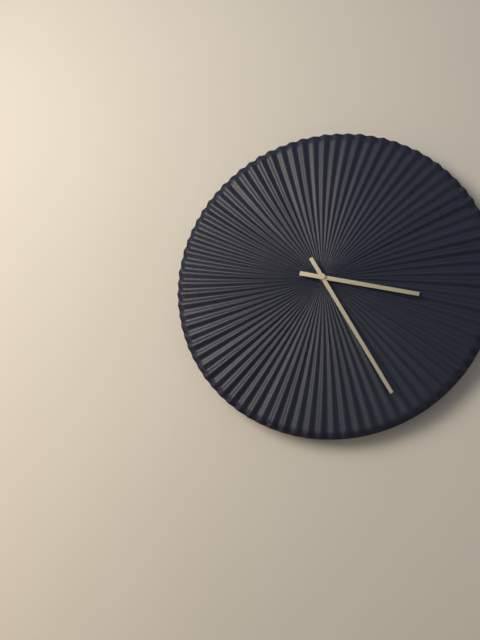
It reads 3h25
